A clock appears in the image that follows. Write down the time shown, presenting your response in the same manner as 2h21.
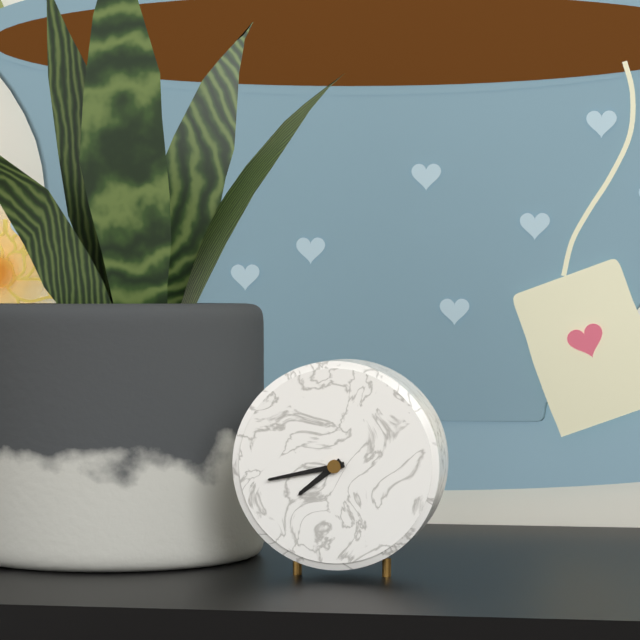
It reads 7h43
